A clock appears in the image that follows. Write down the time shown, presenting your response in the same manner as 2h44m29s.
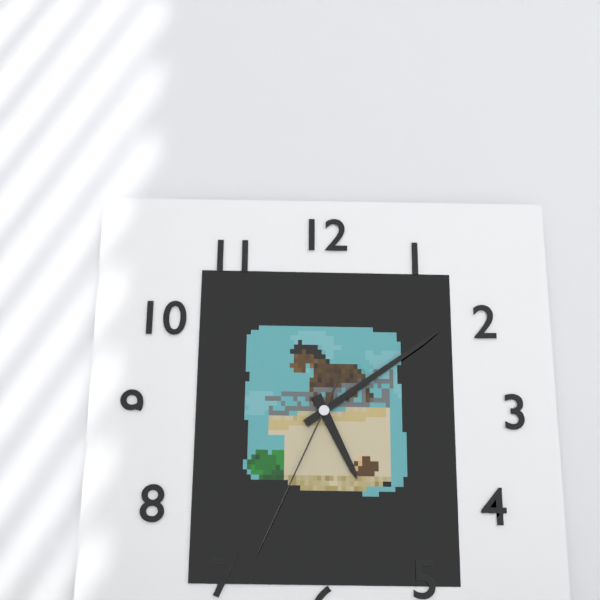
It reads 5h09m34s
